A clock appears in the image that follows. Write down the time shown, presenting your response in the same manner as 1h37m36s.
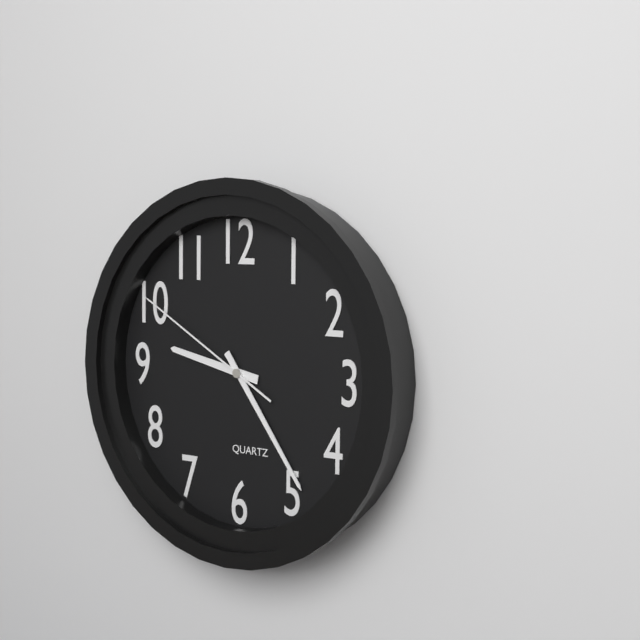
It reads 9h24m50s
